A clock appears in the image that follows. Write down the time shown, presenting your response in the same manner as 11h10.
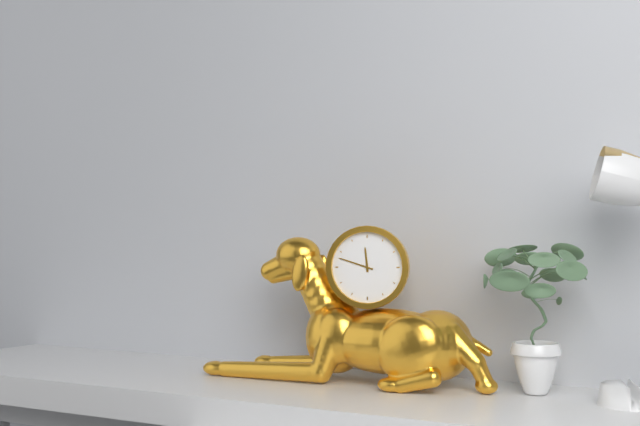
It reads 11h48
